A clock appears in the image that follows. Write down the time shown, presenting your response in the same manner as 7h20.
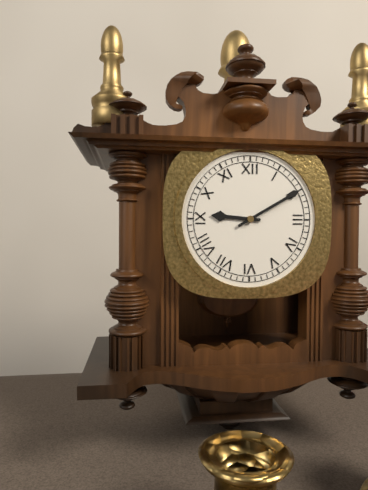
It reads 9h10
